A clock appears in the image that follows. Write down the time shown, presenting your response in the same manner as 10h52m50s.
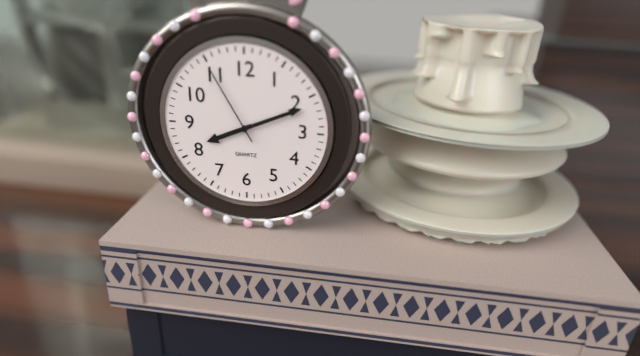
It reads 8h11m55s
